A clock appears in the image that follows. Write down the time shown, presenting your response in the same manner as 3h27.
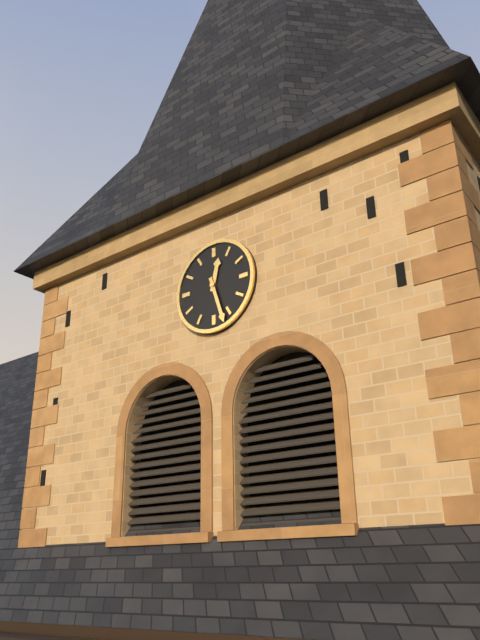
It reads 12h27
